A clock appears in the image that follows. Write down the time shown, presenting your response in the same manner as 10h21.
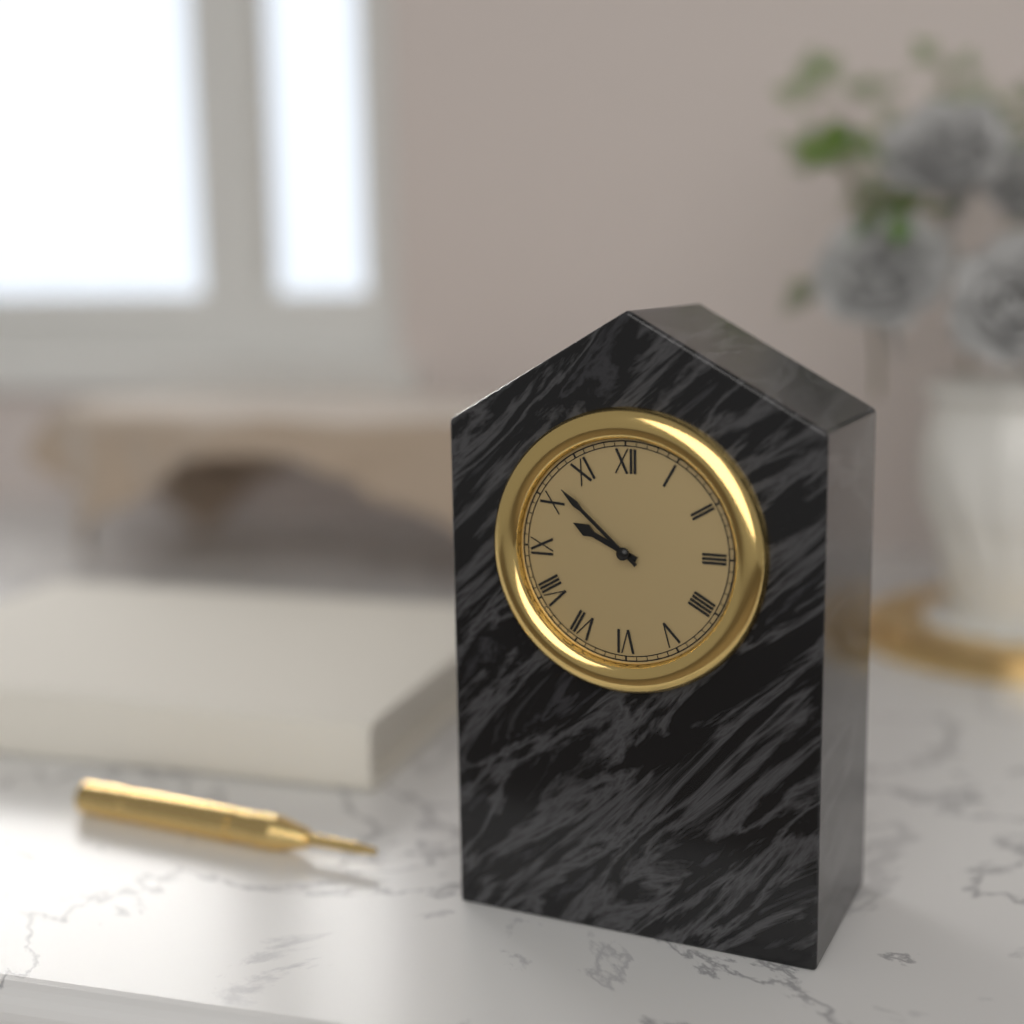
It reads 9h52
